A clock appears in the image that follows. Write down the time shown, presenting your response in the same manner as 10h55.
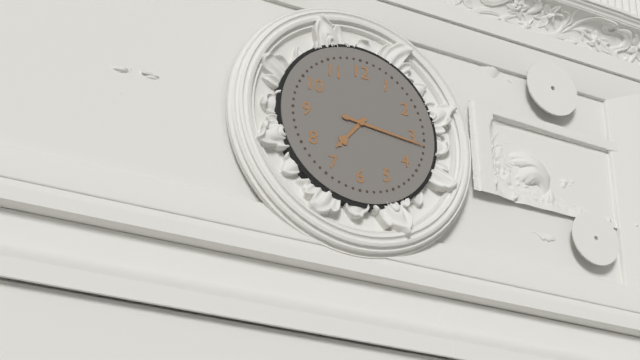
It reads 7h16
